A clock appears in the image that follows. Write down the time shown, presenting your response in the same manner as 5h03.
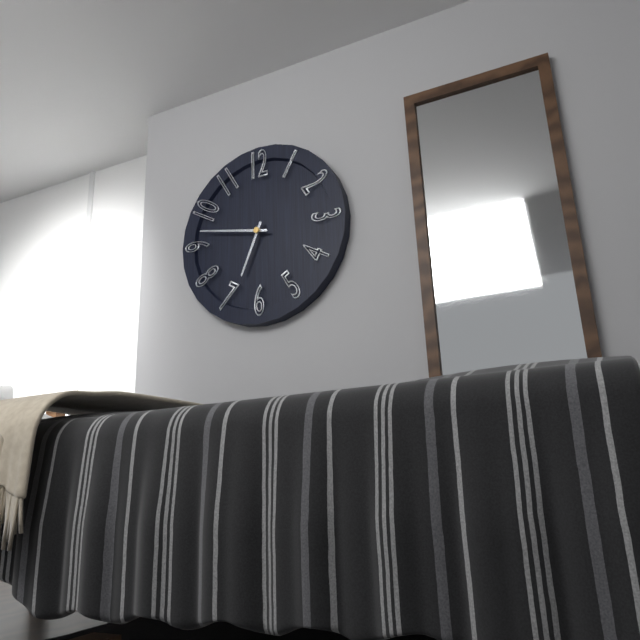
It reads 6h47
